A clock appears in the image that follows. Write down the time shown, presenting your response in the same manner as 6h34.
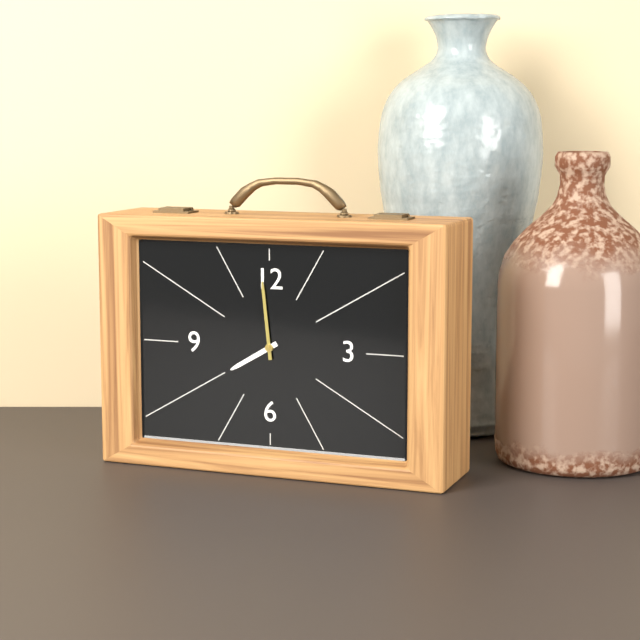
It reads 7h59
